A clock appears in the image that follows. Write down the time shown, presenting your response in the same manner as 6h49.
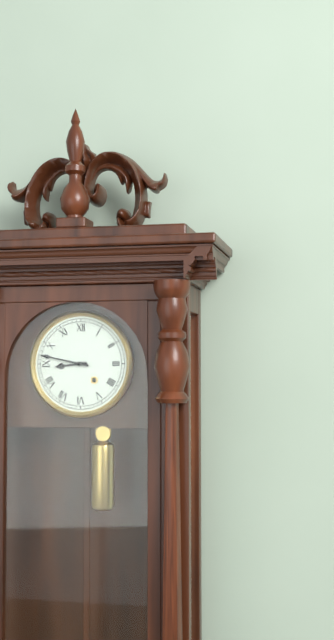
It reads 8h47
